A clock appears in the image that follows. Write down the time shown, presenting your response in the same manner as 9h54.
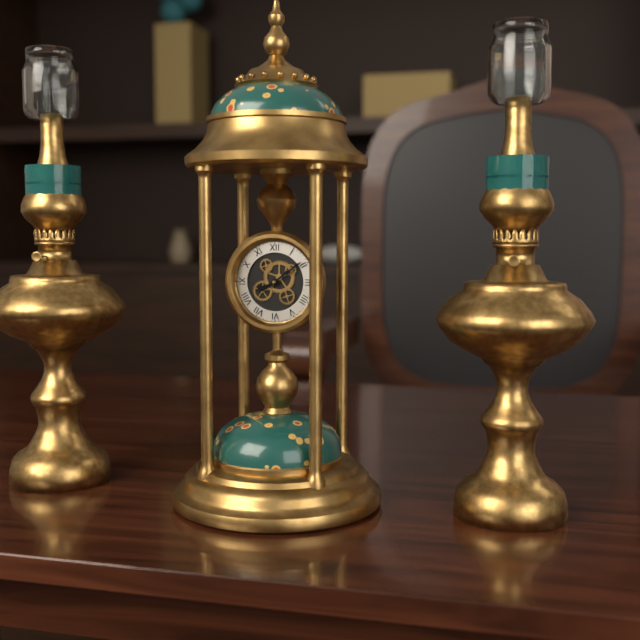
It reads 8h09
